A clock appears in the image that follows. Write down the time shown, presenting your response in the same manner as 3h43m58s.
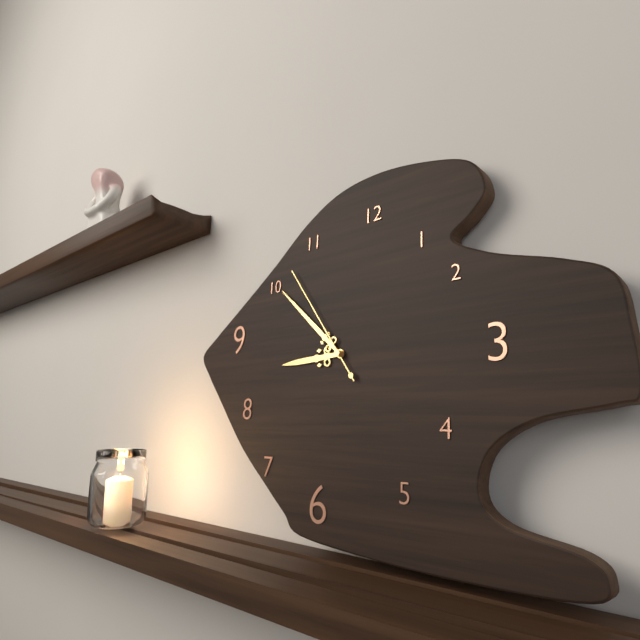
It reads 8h52m54s
